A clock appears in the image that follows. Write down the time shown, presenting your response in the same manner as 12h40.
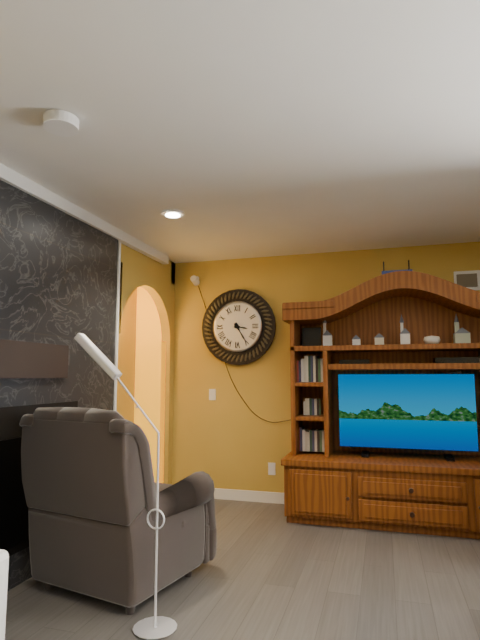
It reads 3h25
